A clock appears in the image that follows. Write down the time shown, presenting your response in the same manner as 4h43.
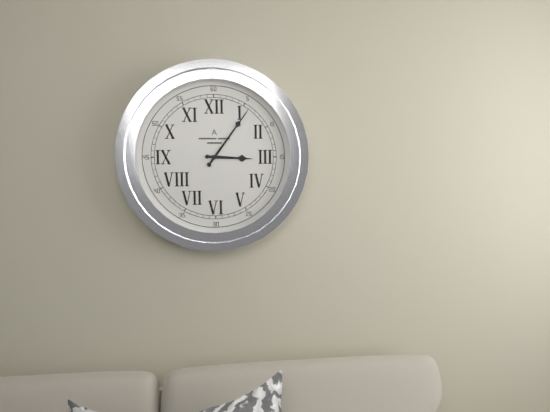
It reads 3h06
